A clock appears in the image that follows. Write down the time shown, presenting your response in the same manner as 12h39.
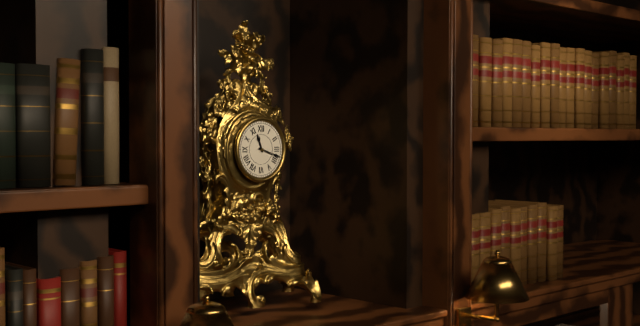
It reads 11h18
